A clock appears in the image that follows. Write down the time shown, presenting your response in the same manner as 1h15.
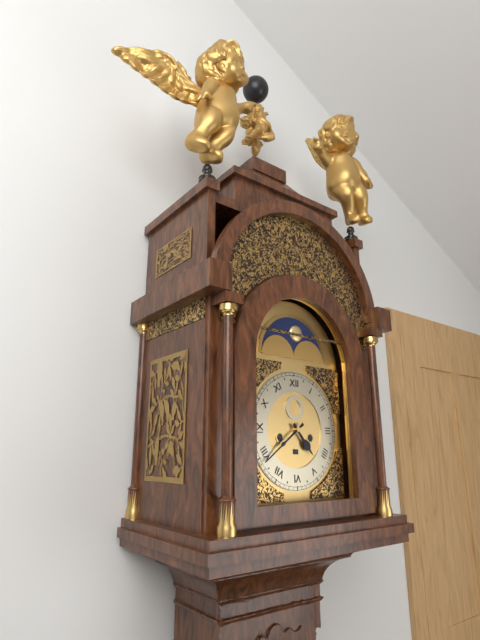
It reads 4h39
